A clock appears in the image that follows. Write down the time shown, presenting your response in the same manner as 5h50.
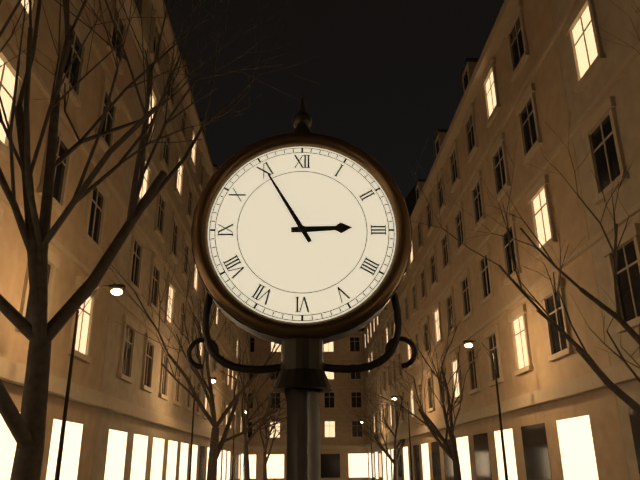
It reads 2h55
